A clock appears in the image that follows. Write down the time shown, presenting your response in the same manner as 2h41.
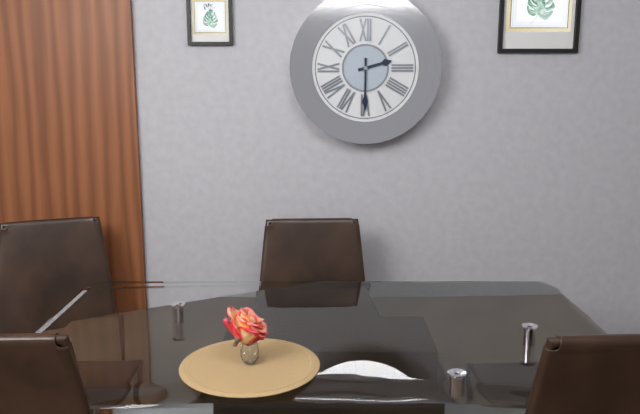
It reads 2h30
